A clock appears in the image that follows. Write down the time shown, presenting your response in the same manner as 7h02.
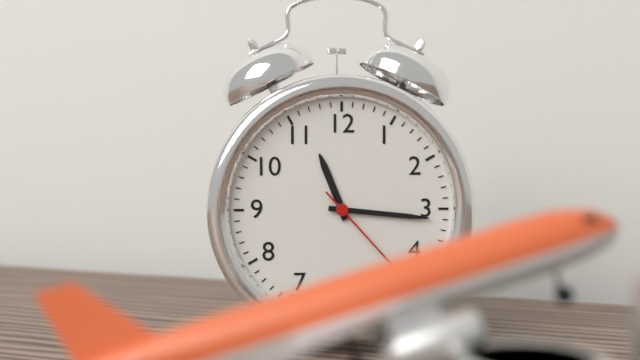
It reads 11h16
